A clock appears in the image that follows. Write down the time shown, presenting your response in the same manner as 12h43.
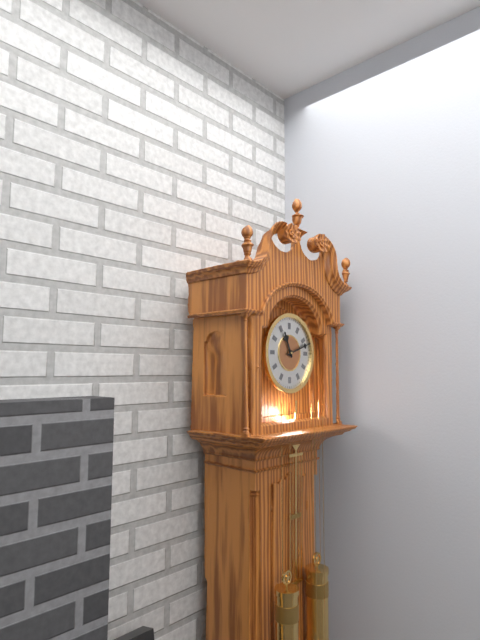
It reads 11h12
